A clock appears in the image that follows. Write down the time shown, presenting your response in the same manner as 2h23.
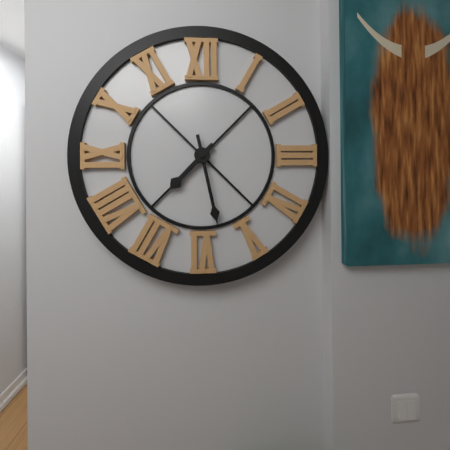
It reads 7h28
